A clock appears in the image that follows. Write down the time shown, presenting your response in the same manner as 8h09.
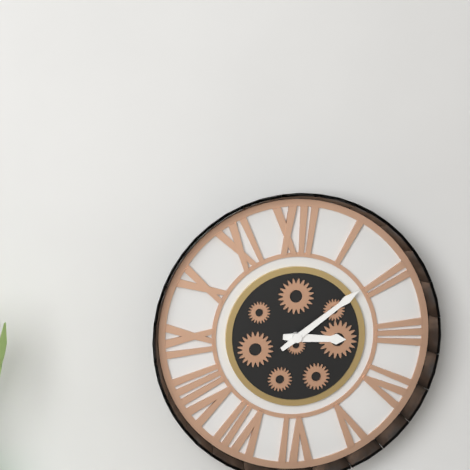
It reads 3h09
